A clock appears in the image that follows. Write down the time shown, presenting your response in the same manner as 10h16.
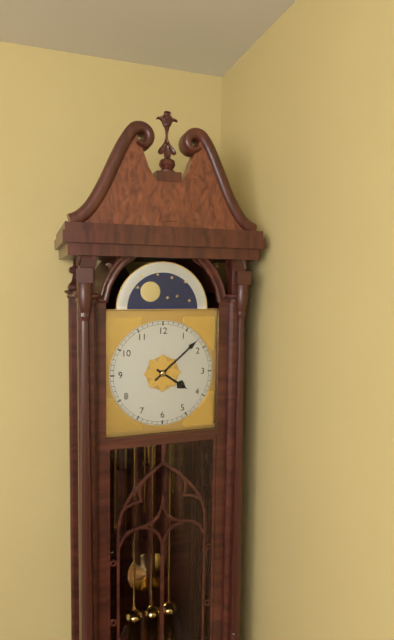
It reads 4h08
